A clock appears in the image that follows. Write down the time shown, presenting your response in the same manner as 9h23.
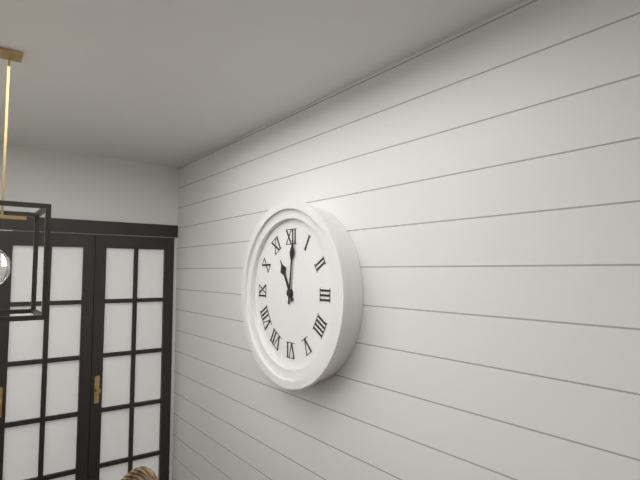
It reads 11h01
